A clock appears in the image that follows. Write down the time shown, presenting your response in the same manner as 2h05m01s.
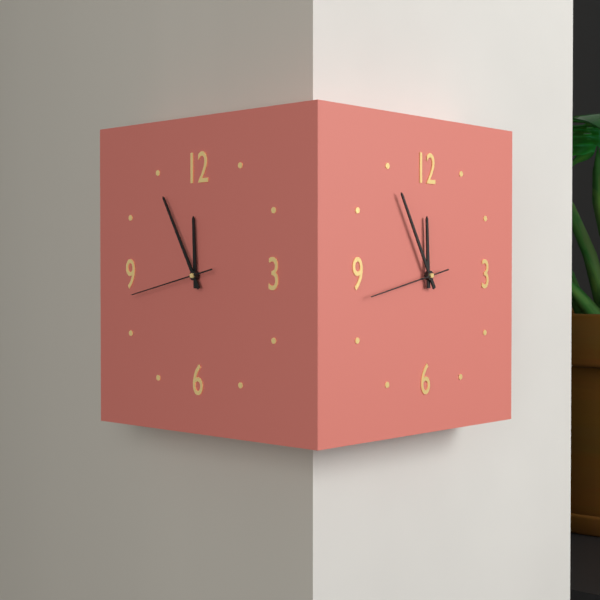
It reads 11h55m43s
